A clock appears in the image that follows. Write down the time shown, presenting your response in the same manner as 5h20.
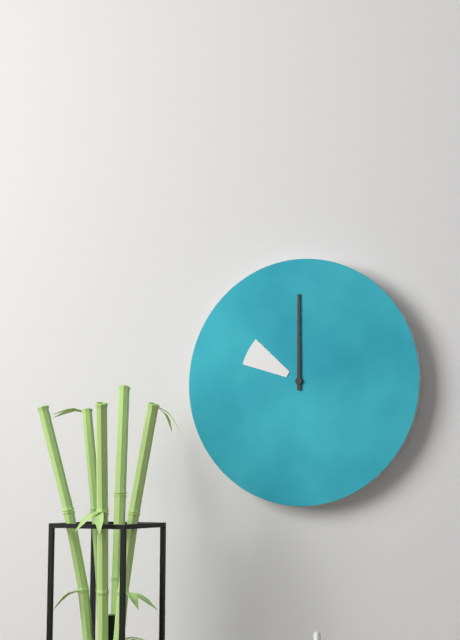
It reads 10h00
